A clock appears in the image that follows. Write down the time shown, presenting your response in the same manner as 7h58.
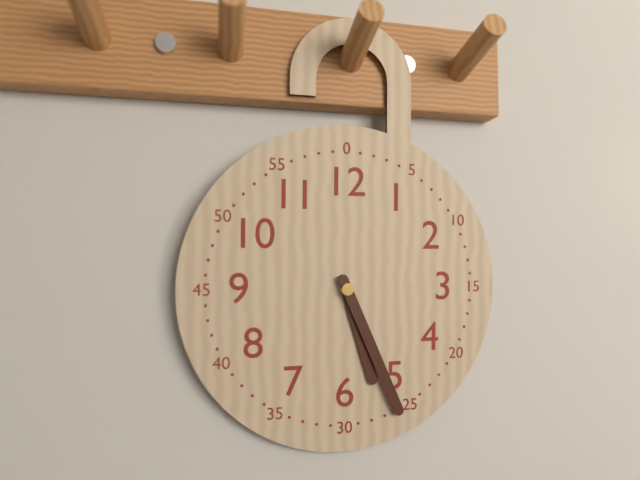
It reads 5h26
